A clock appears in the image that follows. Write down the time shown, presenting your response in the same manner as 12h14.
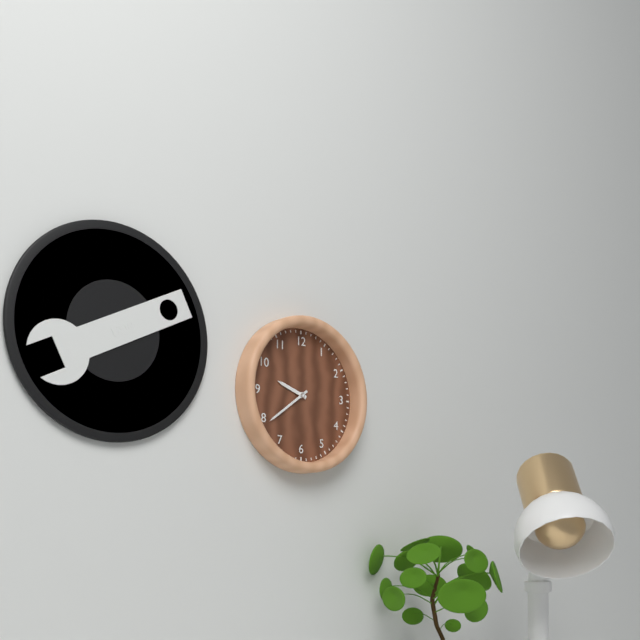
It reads 9h39
